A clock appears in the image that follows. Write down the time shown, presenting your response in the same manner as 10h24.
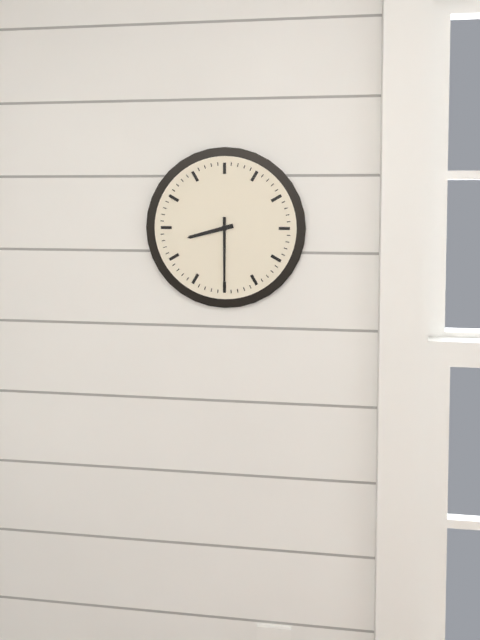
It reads 8h30
